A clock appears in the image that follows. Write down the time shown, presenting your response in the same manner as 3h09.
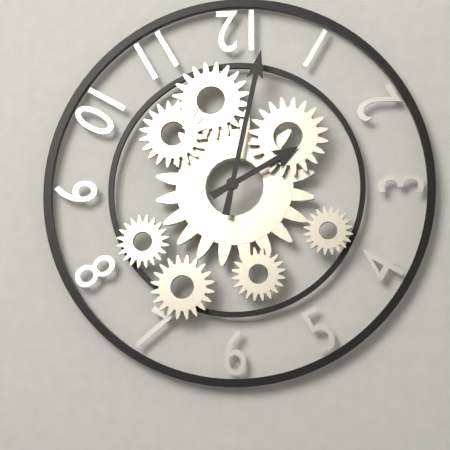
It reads 2h02
